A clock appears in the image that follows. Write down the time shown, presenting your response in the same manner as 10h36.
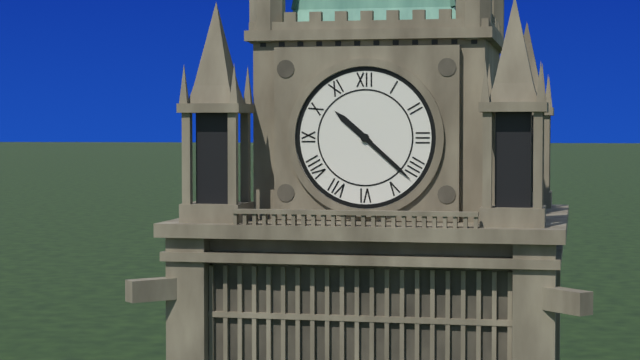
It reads 10h22
